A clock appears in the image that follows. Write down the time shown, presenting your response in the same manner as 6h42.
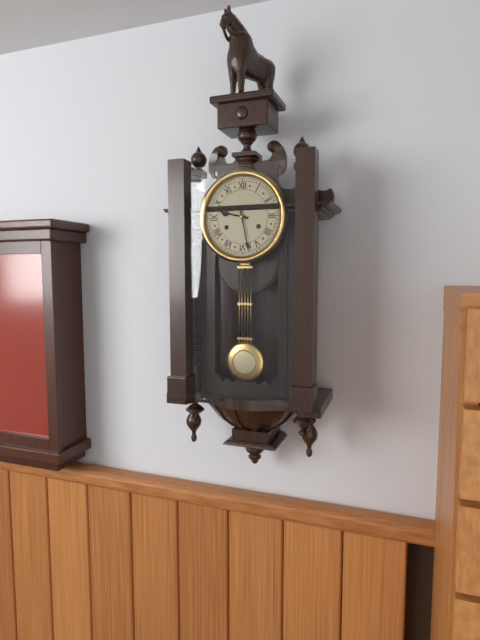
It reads 9h28
